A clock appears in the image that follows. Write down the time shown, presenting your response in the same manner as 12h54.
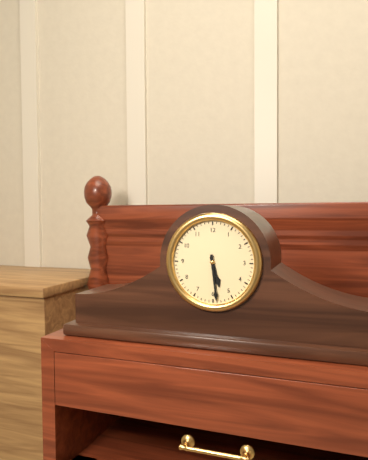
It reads 5h29
